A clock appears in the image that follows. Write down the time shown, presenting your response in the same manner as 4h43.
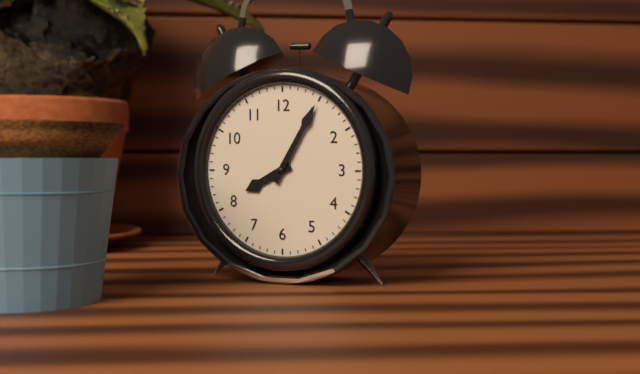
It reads 8h05
